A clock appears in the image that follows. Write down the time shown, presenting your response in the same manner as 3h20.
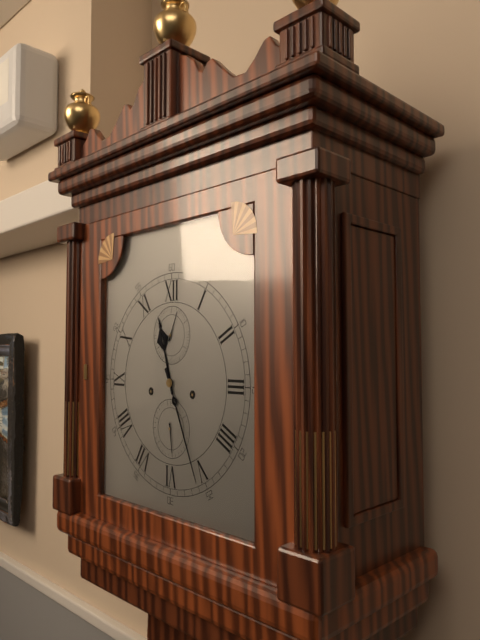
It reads 11h26
